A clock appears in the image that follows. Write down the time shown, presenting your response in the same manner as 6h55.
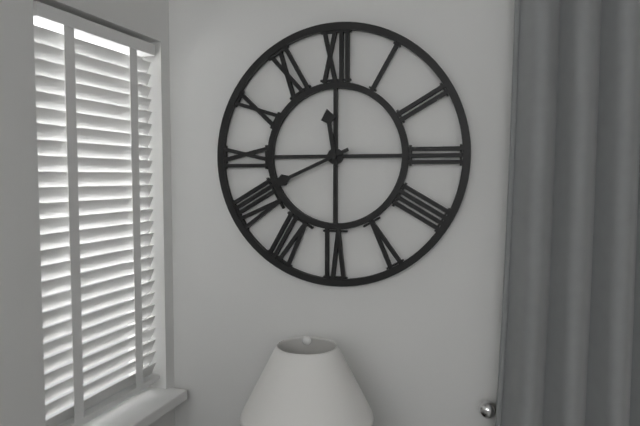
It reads 11h41
